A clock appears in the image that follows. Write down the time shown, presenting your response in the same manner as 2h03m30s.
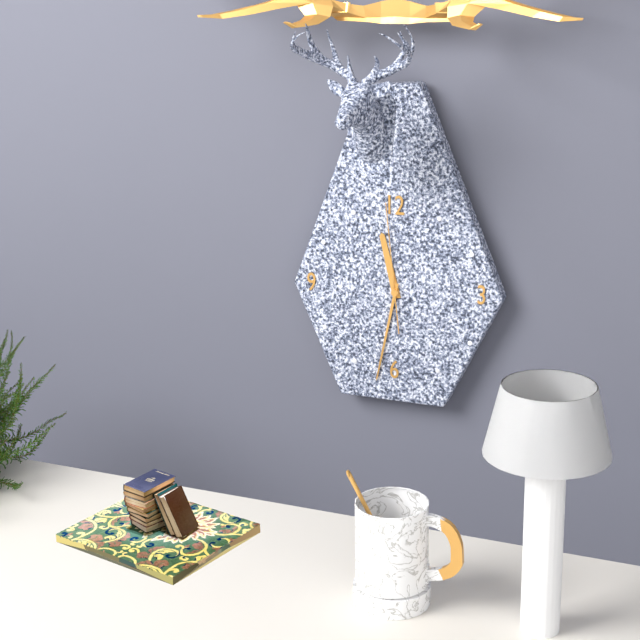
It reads 11h32m59s
